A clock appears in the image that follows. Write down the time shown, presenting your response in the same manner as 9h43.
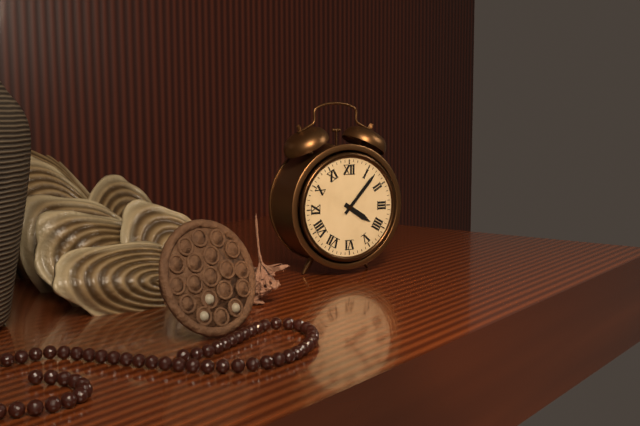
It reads 4h07
